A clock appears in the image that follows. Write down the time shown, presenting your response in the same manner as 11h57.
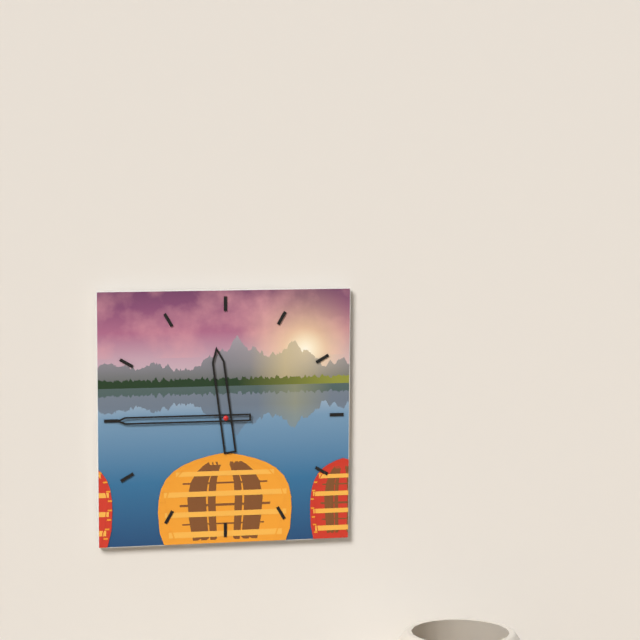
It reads 11h45
